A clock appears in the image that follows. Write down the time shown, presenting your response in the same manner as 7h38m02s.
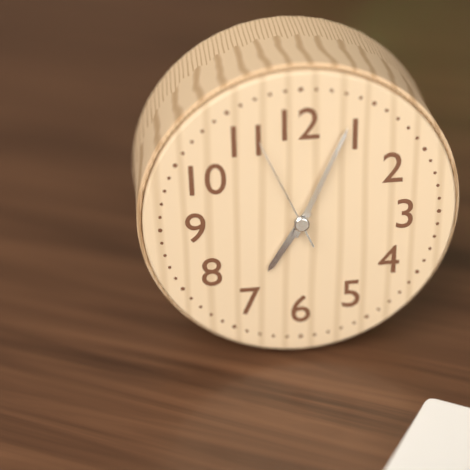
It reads 7h04m56s
